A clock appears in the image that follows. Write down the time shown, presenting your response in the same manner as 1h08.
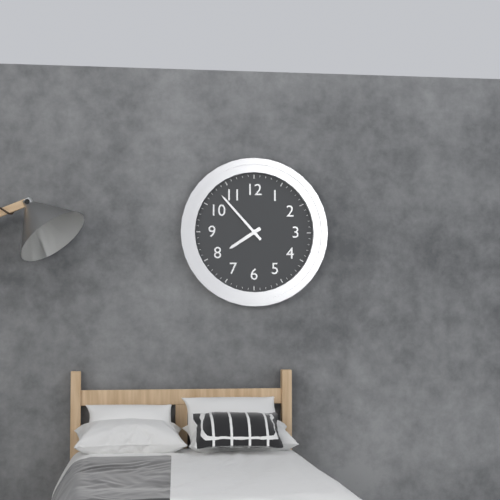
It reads 7h53
